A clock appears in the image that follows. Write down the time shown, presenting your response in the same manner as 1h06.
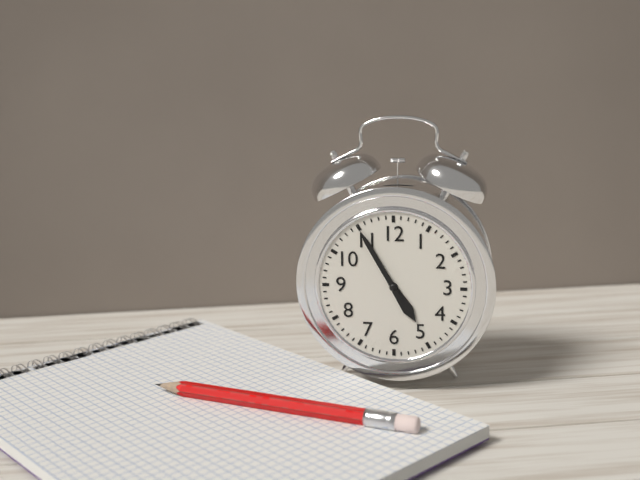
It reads 4h55
